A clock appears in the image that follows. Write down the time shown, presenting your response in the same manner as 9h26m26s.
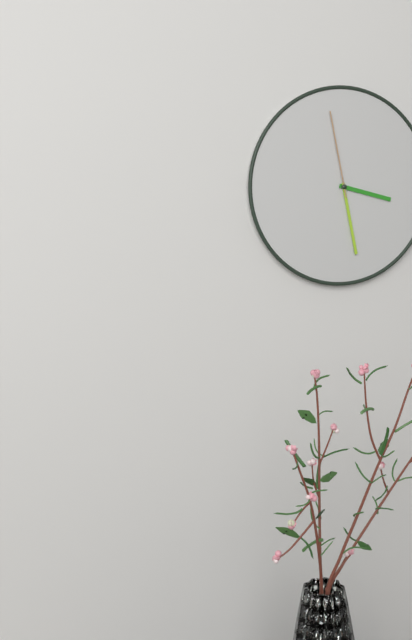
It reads 3h28m58s
